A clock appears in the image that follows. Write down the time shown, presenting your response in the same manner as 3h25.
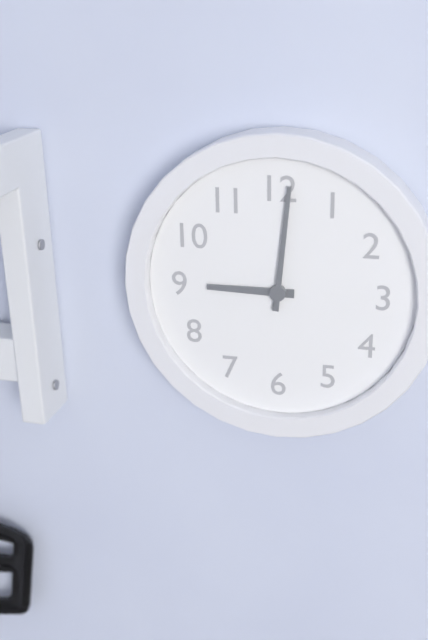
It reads 9h01
